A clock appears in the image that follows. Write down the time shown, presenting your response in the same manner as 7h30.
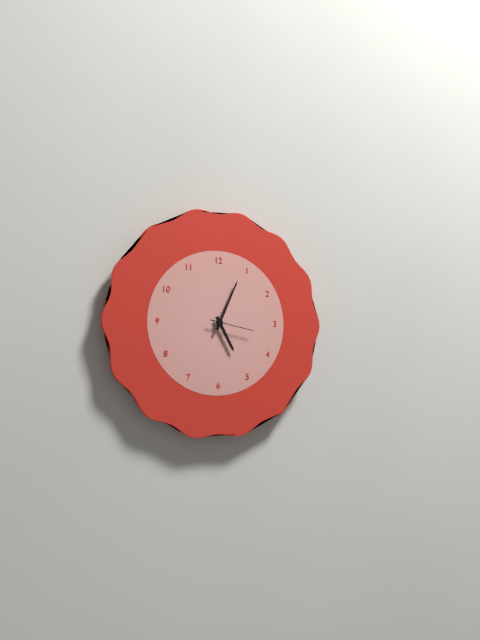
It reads 5h04
